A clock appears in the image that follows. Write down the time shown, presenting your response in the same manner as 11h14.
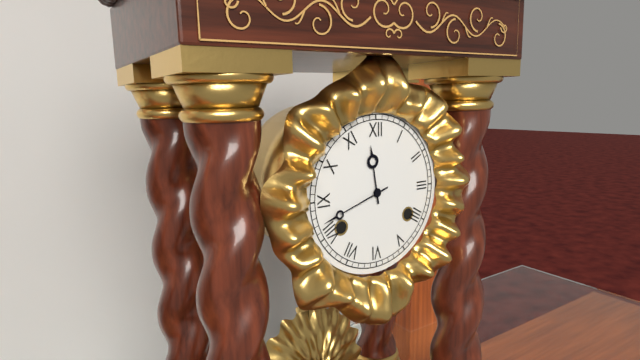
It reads 11h42
